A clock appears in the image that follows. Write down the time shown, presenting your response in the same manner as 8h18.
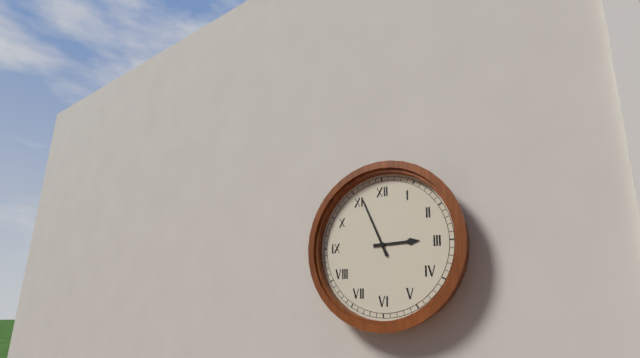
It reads 2h56
